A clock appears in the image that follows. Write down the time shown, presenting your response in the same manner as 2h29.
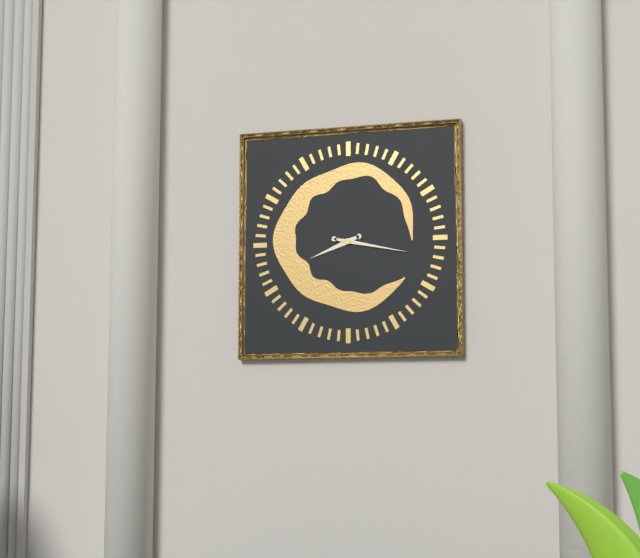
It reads 8h17
